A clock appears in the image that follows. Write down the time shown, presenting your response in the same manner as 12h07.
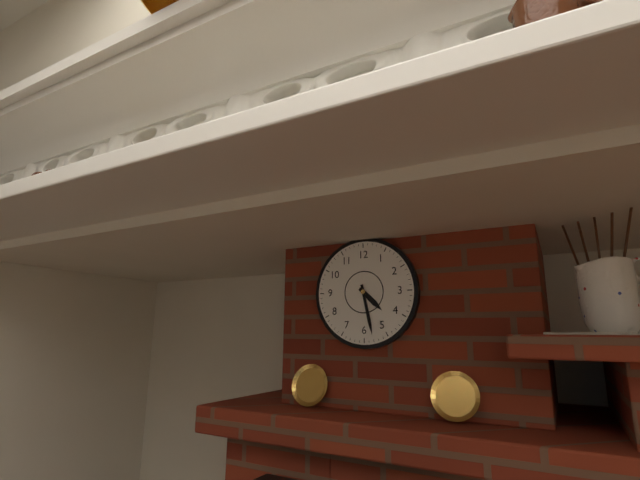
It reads 4h28
